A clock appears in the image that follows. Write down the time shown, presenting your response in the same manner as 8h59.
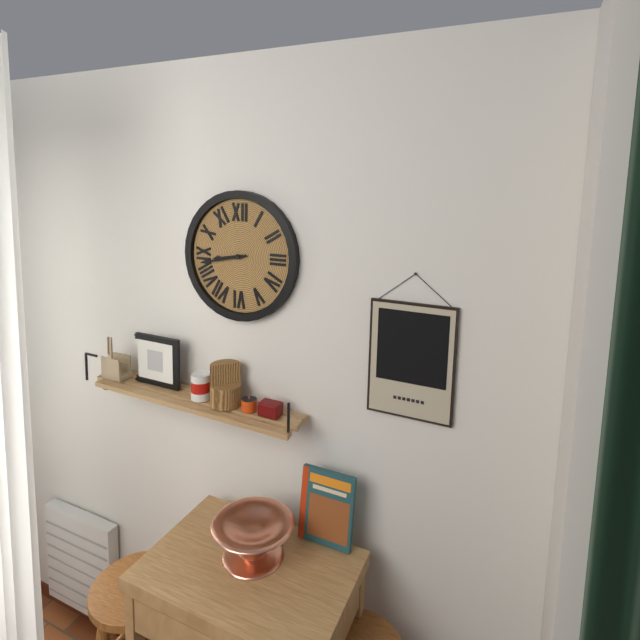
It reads 8h43
